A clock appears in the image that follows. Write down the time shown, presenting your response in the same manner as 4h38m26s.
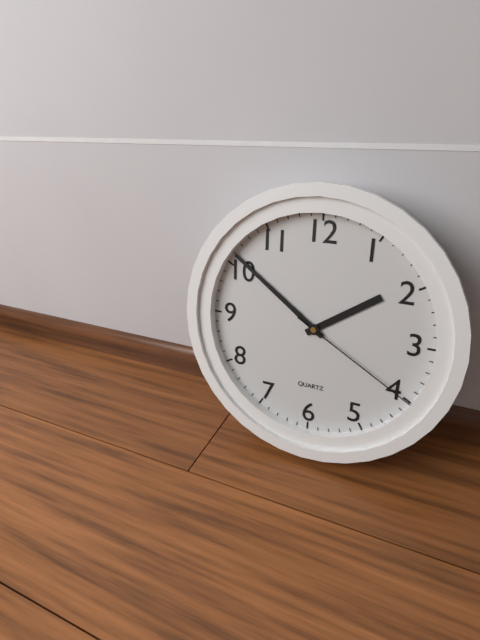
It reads 1h51m20s
